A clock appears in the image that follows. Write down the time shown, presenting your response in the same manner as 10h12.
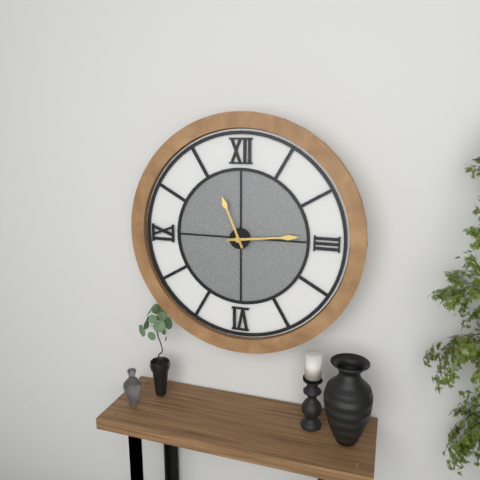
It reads 11h14
